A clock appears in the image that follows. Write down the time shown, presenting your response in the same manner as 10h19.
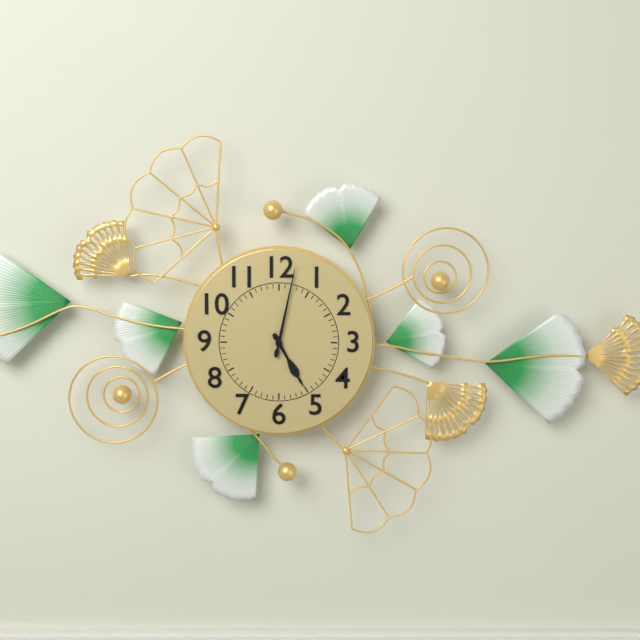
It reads 5h02
